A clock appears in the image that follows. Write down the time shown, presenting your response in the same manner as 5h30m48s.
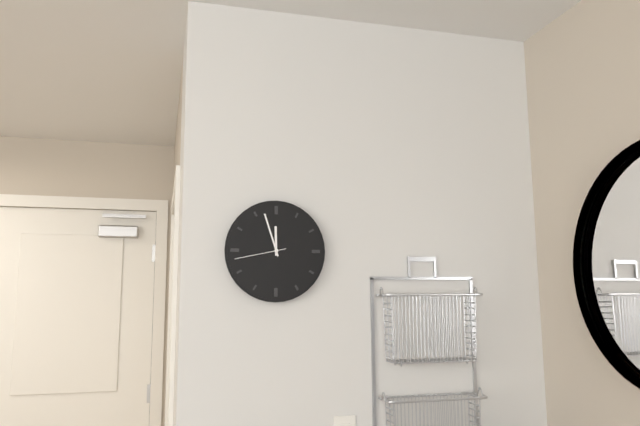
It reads 11h57m43s
